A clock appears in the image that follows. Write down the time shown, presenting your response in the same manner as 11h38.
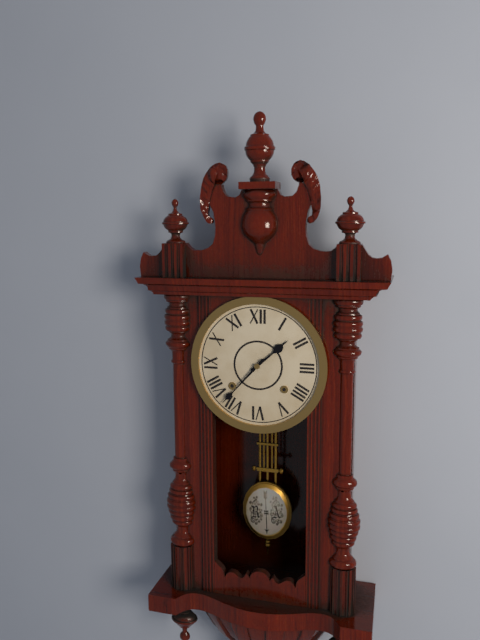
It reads 1h37
